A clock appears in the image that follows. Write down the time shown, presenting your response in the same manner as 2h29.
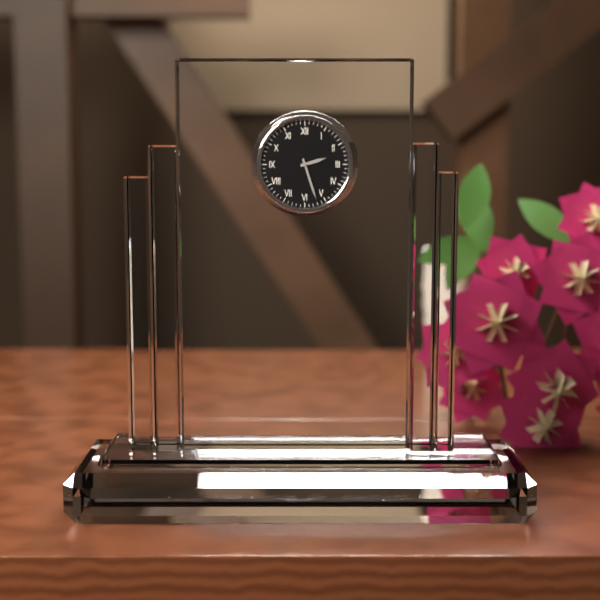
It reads 2h27
